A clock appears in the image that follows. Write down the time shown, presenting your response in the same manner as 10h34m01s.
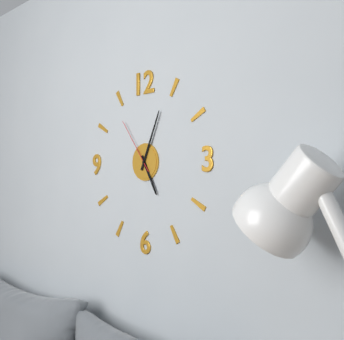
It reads 5h04m54s
